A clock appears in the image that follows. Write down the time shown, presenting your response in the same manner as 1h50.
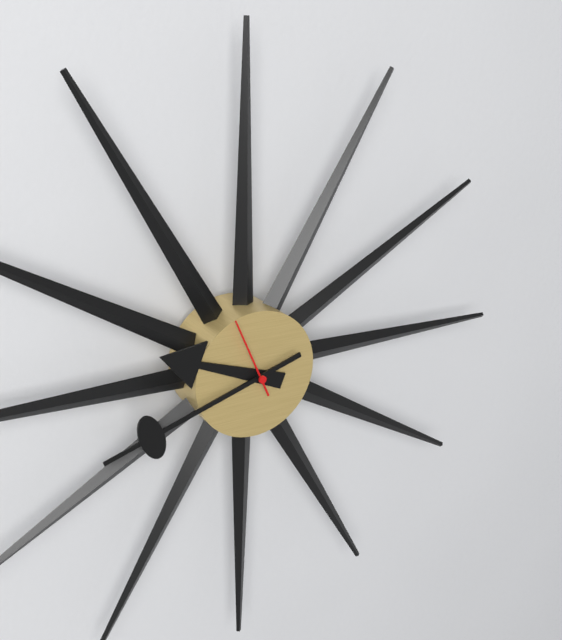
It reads 9h42
